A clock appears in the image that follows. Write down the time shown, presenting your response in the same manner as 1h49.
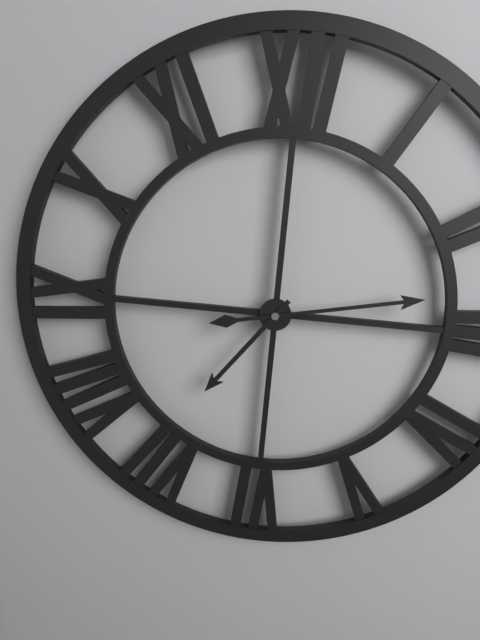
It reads 7h13
